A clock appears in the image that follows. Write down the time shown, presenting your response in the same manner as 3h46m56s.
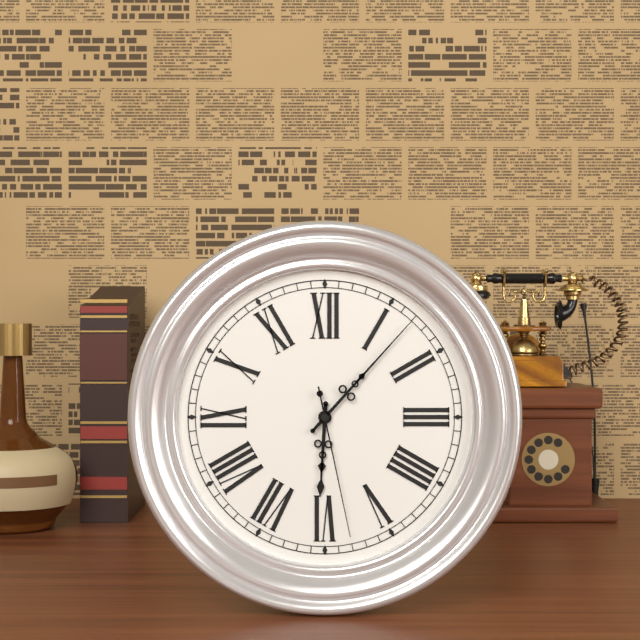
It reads 6h07m28s
